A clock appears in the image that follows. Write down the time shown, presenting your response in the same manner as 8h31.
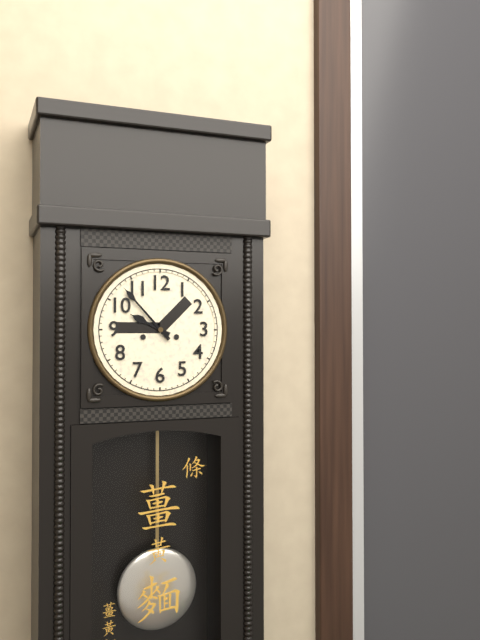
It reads 9h53
